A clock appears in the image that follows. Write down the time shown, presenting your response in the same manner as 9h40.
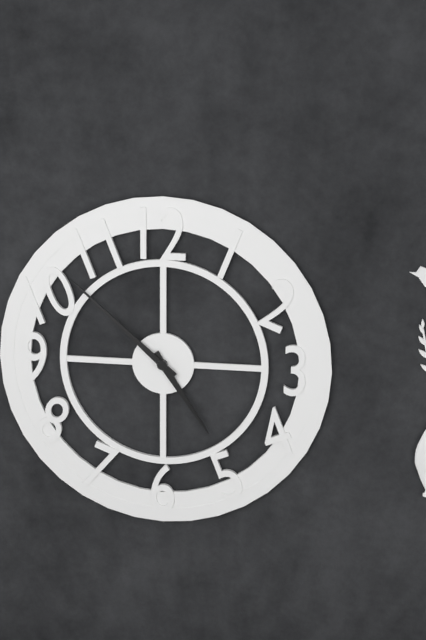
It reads 4h52
